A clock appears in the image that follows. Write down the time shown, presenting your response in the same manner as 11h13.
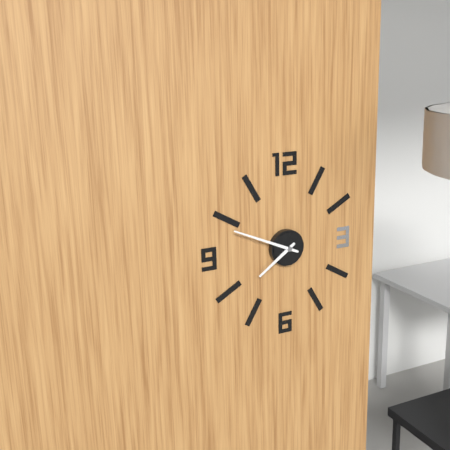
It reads 7h49
